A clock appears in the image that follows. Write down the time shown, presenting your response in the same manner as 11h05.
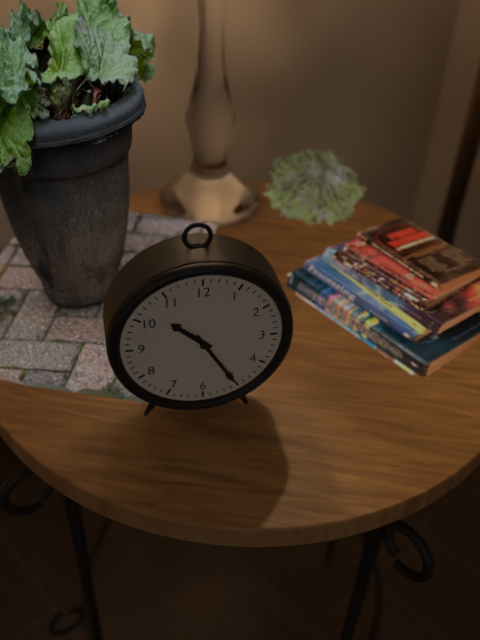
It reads 10h25
